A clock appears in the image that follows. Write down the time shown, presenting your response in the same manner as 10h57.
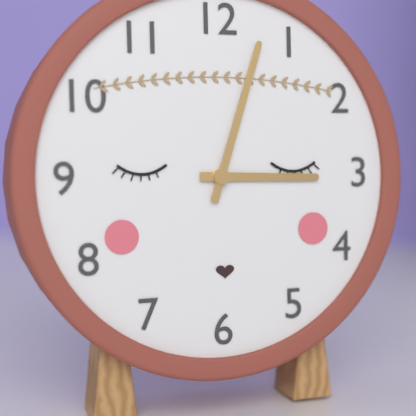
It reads 3h03
